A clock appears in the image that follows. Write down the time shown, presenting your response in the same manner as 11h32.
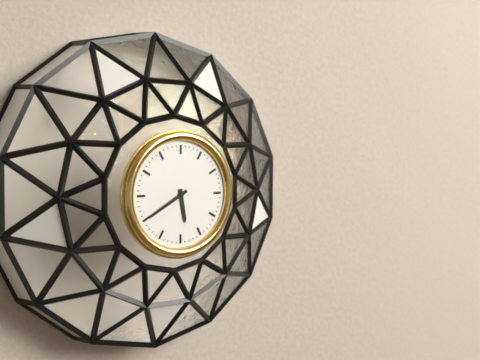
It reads 5h40
